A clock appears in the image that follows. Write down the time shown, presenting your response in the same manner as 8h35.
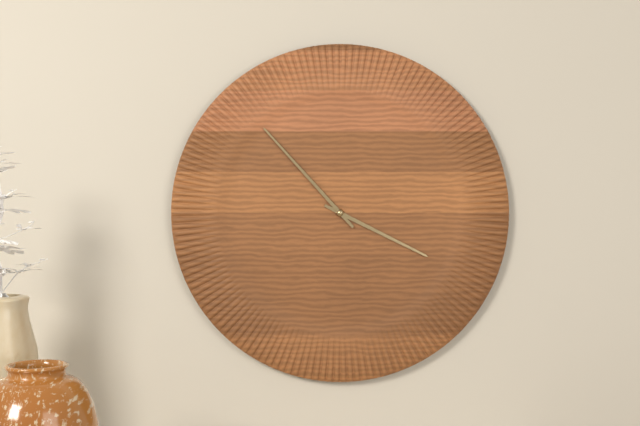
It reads 3h53
